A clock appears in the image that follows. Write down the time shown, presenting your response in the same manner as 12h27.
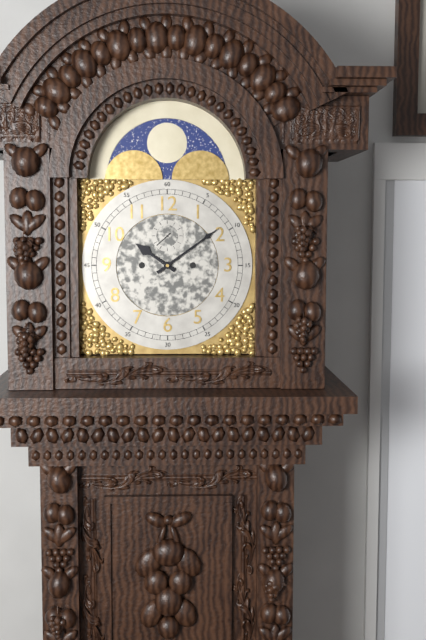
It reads 10h09
